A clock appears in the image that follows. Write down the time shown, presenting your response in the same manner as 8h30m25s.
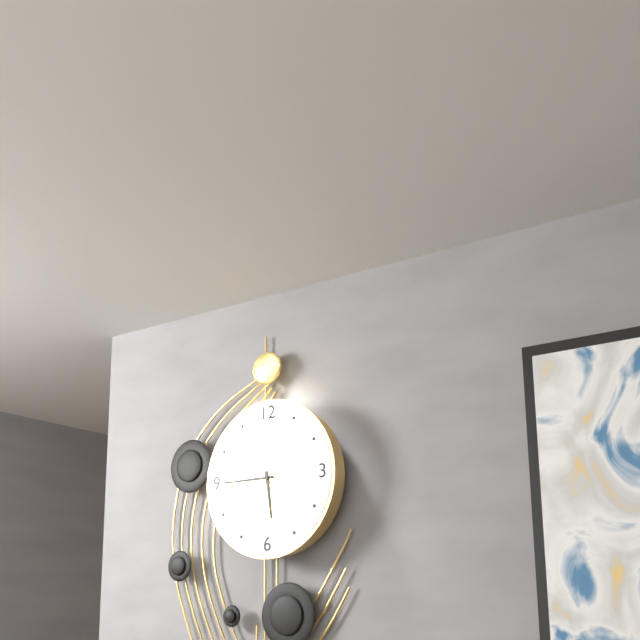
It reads 5h45m53s
